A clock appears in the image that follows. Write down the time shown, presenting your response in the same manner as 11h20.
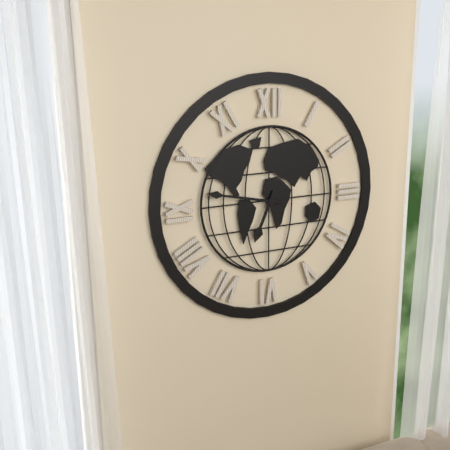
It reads 6h47
